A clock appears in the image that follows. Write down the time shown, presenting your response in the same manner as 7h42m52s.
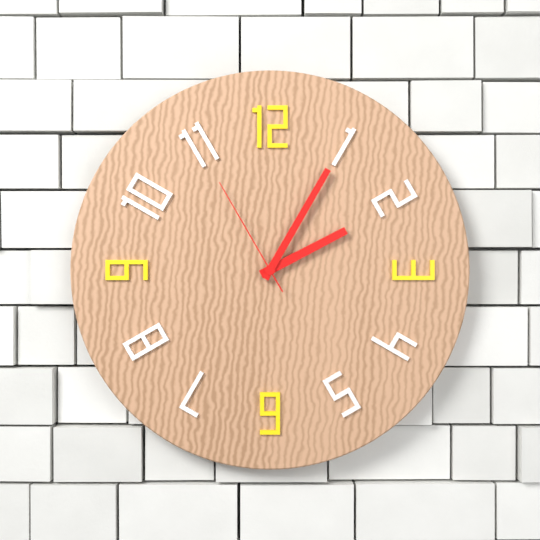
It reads 2h05m55s
